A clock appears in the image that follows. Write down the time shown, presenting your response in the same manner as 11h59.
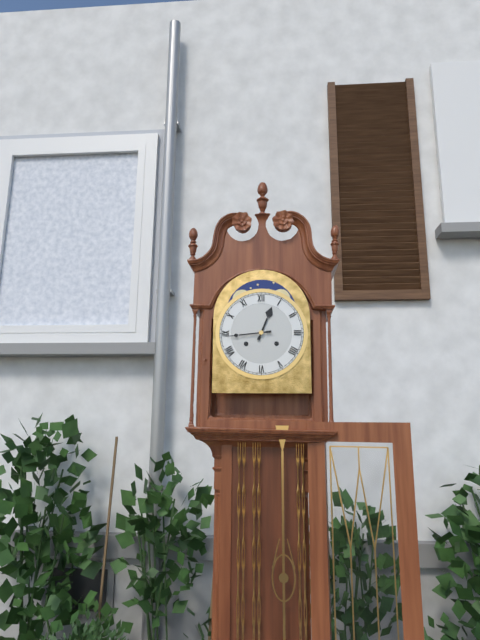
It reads 12h44
